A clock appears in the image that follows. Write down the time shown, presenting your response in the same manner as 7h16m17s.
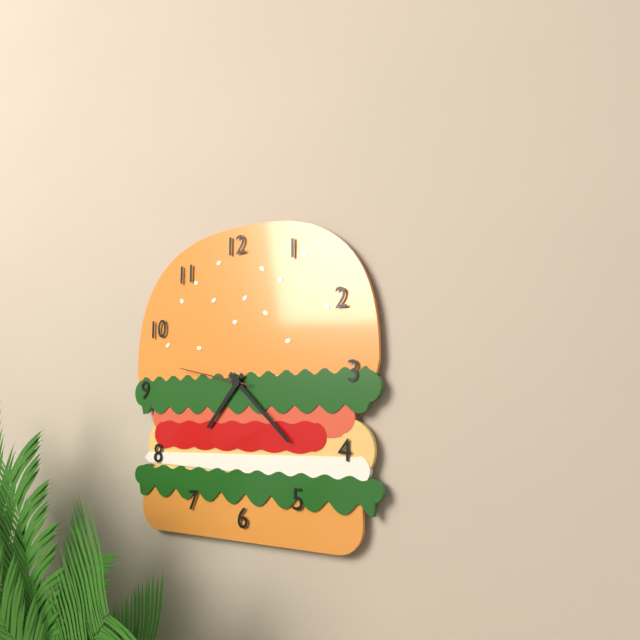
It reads 7h22m47s
